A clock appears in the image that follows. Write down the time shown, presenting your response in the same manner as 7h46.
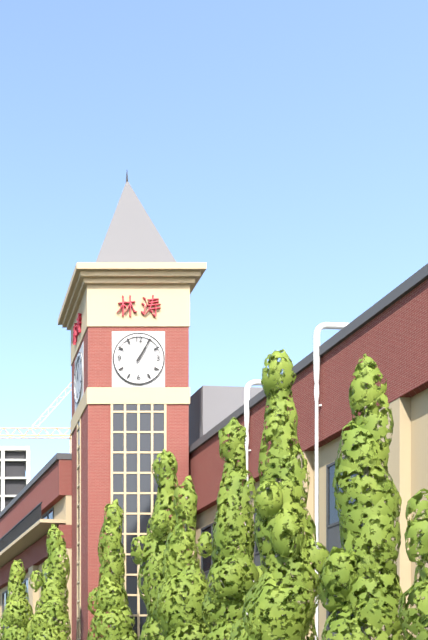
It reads 1h05
